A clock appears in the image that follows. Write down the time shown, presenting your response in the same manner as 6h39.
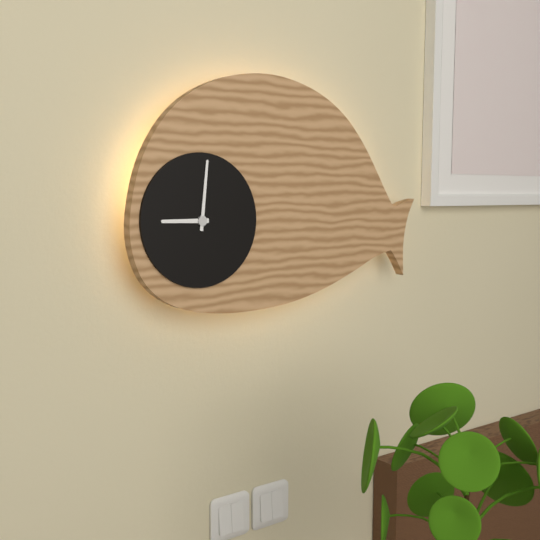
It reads 9h01
